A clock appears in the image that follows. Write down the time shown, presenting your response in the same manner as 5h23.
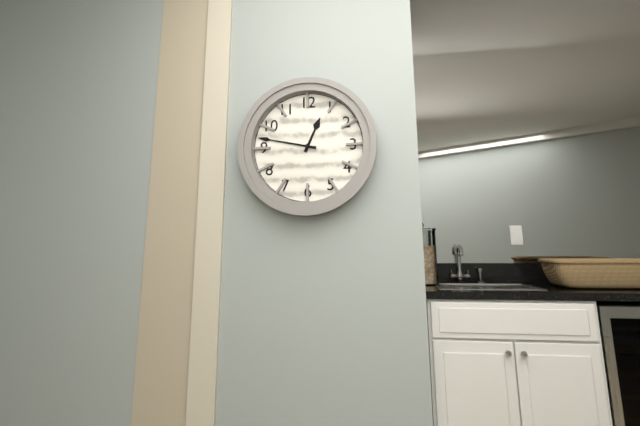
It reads 12h47
